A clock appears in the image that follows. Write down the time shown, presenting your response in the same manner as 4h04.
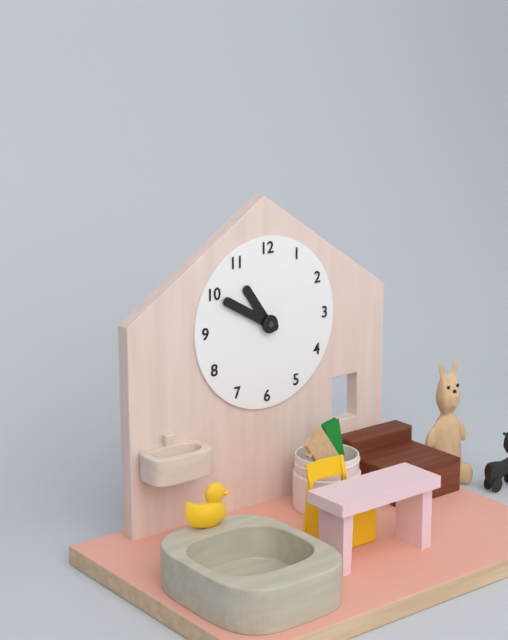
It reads 10h50
